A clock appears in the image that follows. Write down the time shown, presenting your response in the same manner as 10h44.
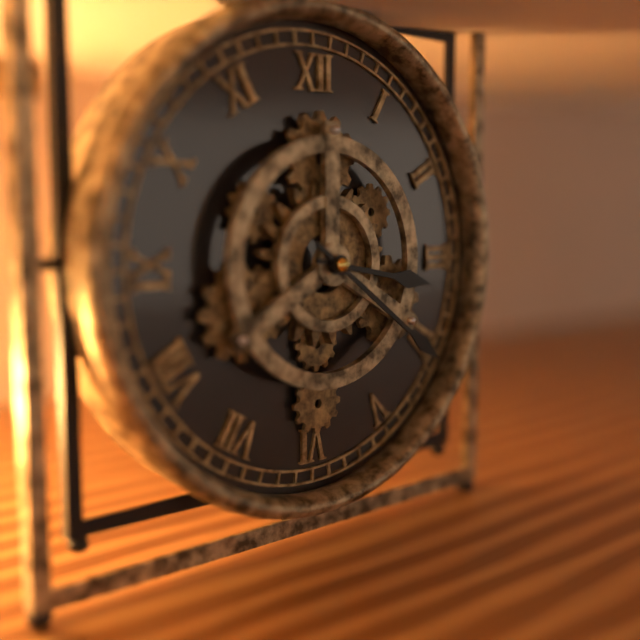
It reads 3h21
